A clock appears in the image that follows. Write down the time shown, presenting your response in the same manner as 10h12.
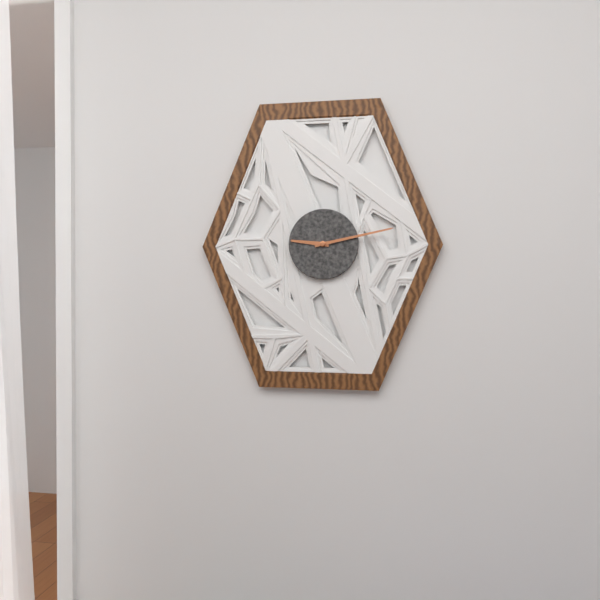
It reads 9h13
